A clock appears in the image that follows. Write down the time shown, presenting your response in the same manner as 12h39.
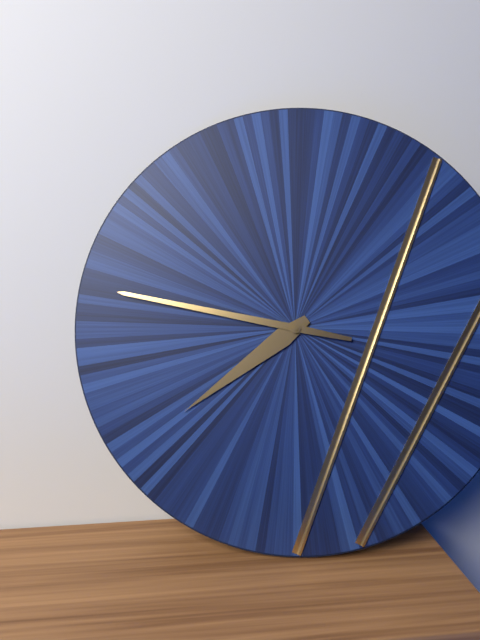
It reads 7h47
